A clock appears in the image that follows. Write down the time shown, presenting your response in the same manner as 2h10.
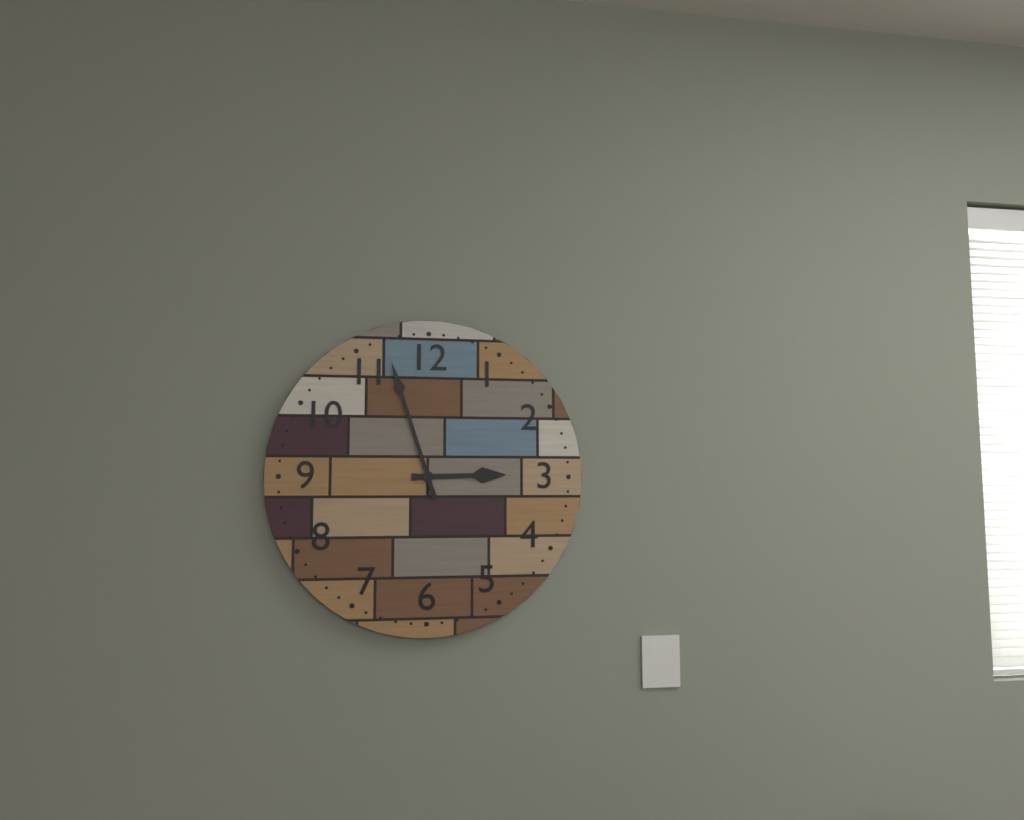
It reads 2h57
